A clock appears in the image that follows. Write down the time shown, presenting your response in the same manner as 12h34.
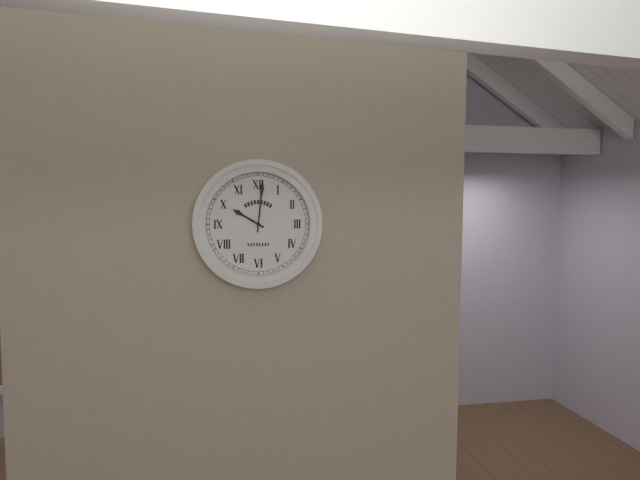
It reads 10h01
